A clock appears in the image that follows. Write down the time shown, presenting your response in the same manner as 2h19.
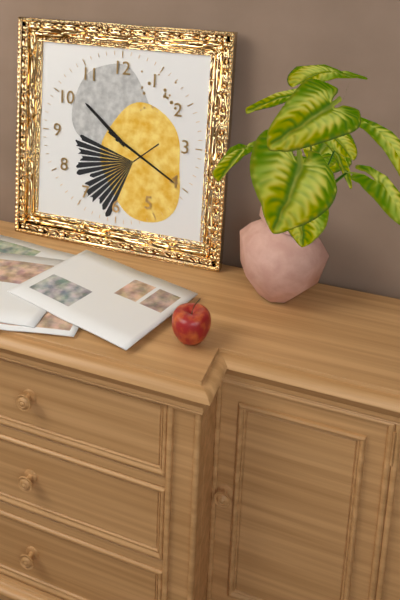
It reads 10h20
